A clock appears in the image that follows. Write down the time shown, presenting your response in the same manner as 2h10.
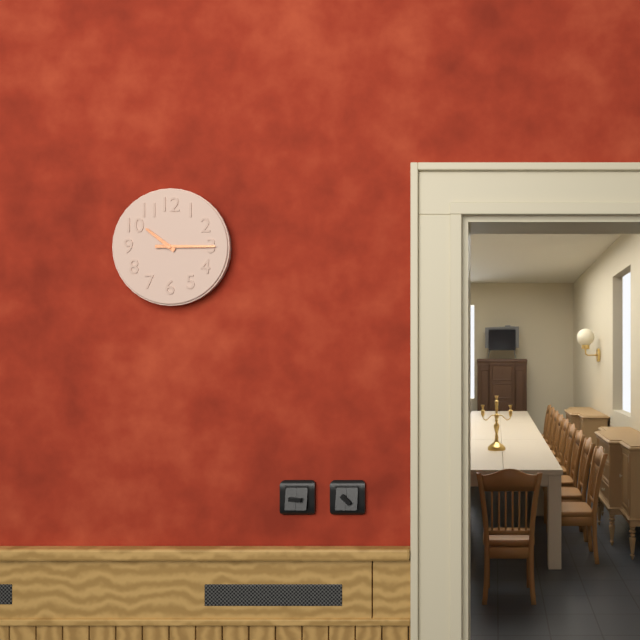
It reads 10h15
